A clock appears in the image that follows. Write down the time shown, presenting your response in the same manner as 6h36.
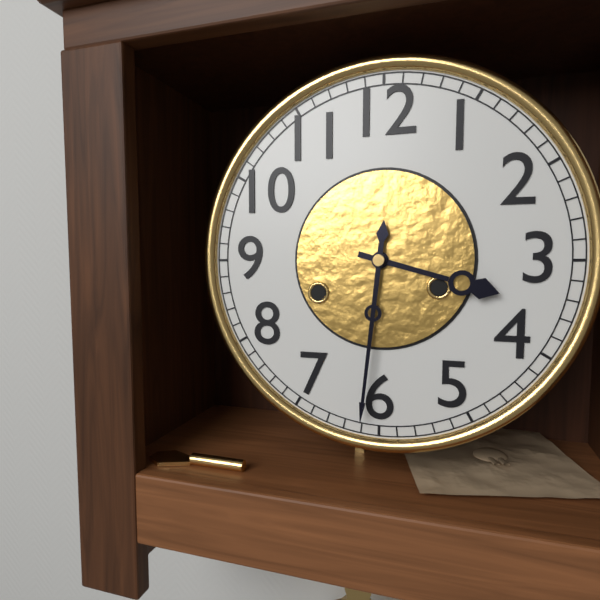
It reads 3h31
